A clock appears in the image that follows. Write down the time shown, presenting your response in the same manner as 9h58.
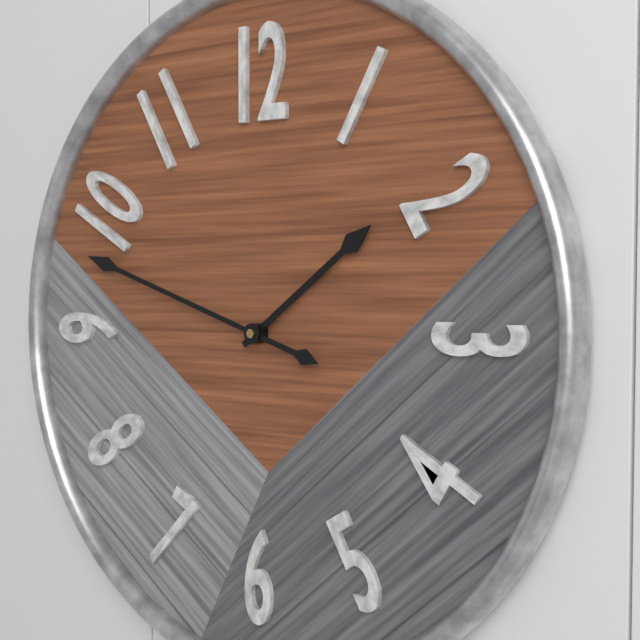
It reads 1h48
